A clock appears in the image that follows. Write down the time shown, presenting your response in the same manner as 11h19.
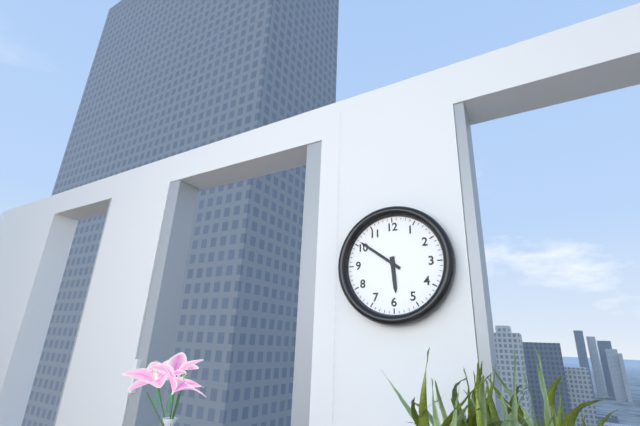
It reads 5h51
